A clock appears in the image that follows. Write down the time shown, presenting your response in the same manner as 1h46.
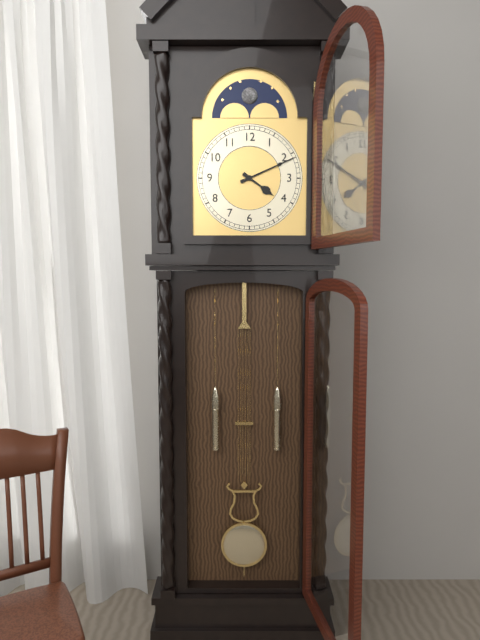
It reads 4h11
